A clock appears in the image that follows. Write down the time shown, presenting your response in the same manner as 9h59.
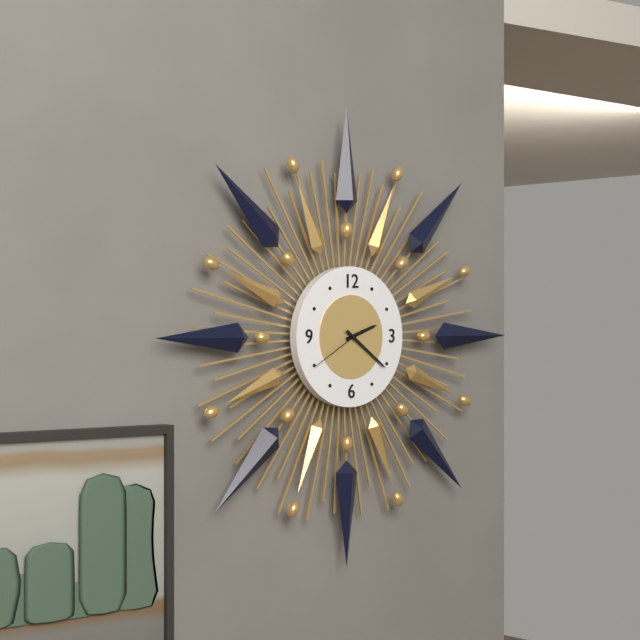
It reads 2h21
